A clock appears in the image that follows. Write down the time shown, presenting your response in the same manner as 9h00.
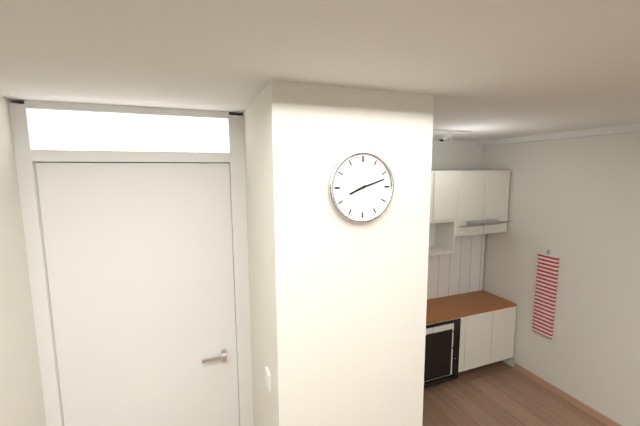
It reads 8h12
